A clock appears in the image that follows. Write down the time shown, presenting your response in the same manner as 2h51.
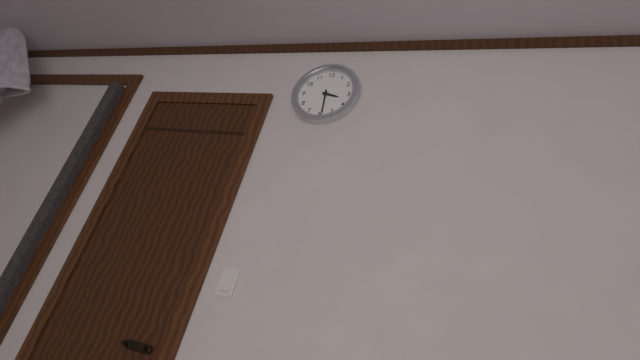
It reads 3h29
